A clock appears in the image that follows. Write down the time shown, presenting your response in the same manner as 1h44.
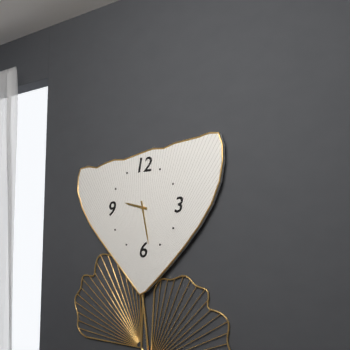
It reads 9h28
